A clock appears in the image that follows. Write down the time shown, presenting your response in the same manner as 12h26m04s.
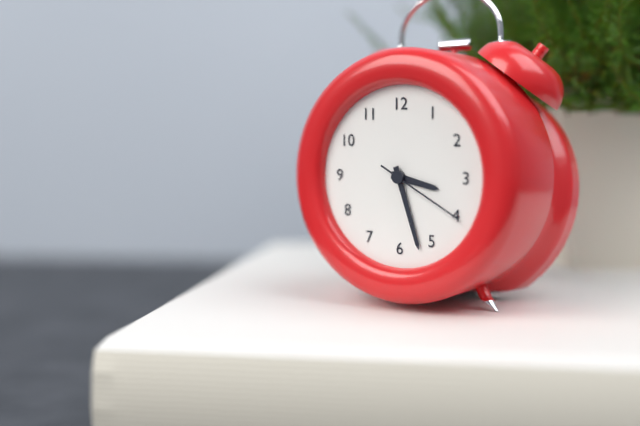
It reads 3h27m20s
